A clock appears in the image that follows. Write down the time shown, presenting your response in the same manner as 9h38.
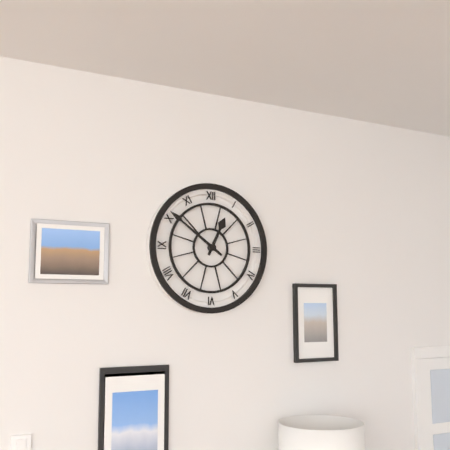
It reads 12h51
